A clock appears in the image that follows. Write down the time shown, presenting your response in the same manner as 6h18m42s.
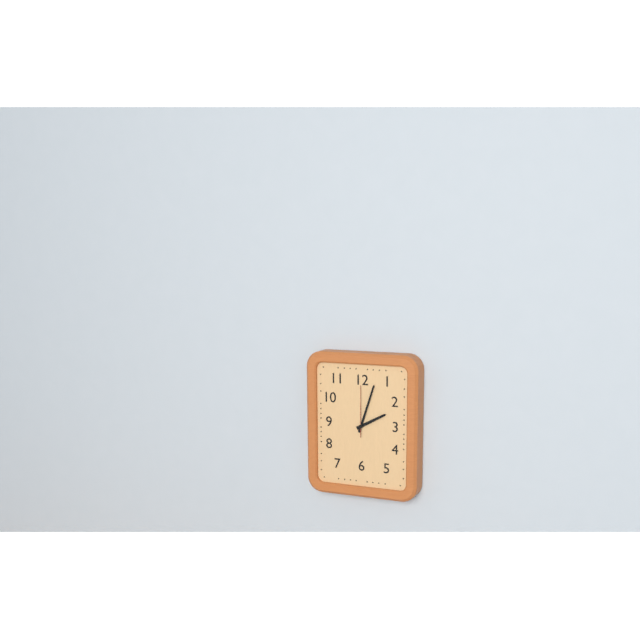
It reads 2h03m00s
